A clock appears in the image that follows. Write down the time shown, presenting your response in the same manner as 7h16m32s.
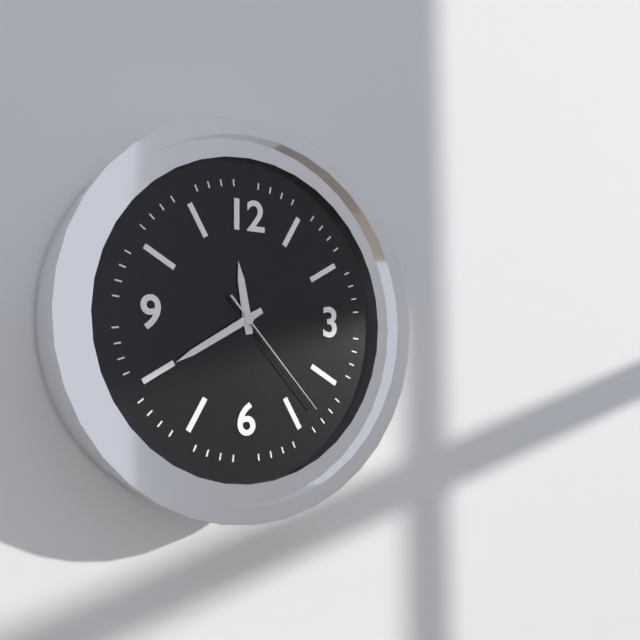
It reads 11h40m23s
